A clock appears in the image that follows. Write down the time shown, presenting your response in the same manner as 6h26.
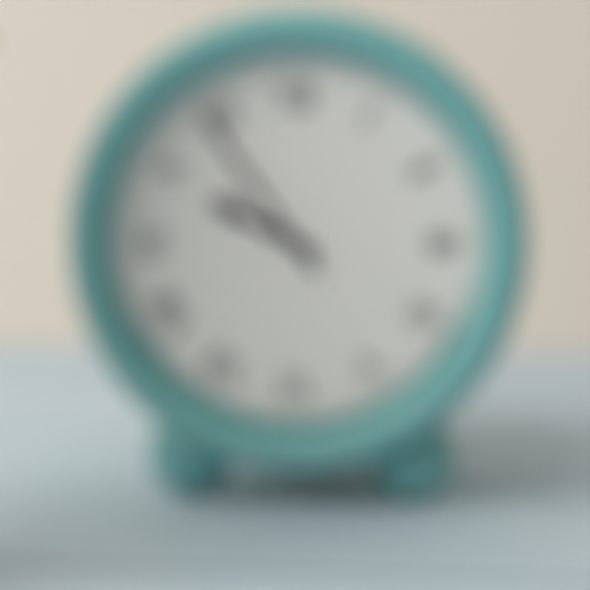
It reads 9h54
